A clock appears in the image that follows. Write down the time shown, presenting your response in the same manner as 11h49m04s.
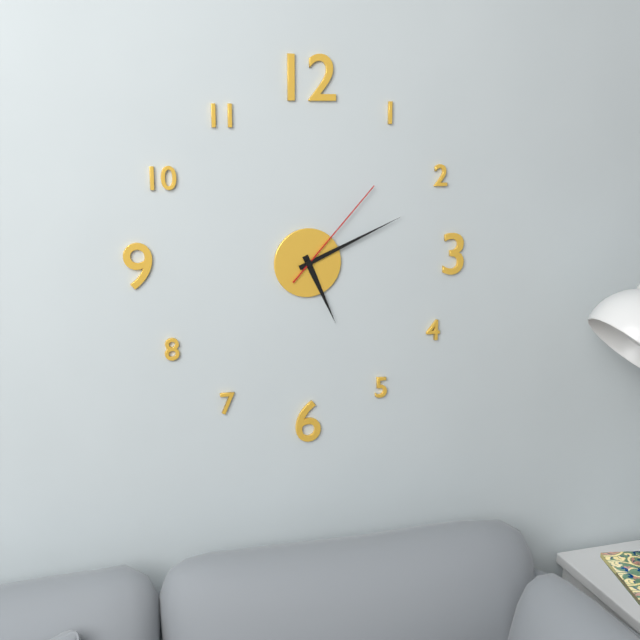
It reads 5h11m07s
